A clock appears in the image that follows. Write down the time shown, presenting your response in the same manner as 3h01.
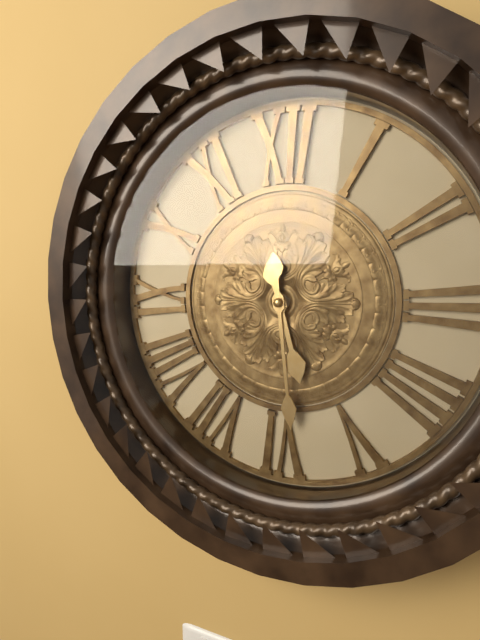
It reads 5h29
